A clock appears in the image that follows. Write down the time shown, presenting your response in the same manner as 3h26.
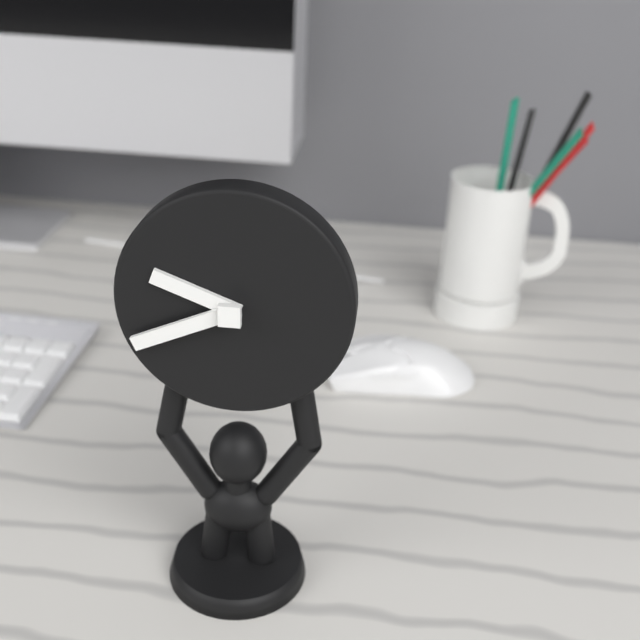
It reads 9h41
